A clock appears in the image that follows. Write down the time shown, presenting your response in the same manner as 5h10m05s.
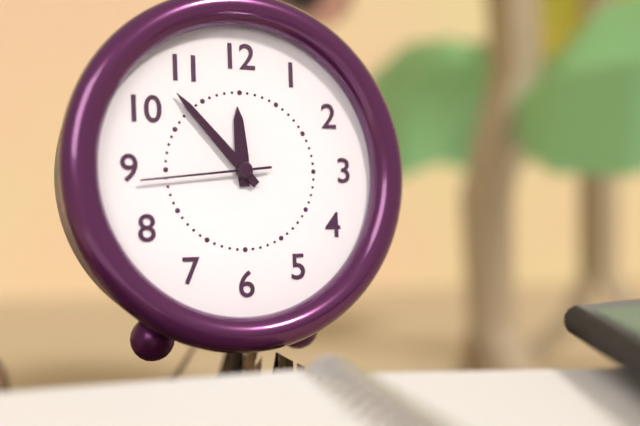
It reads 11h53m44s
